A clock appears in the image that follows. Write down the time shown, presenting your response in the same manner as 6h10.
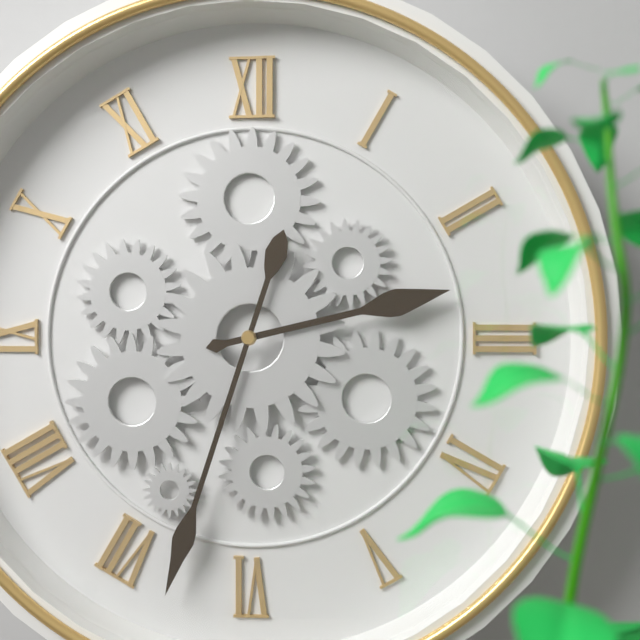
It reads 2h33
